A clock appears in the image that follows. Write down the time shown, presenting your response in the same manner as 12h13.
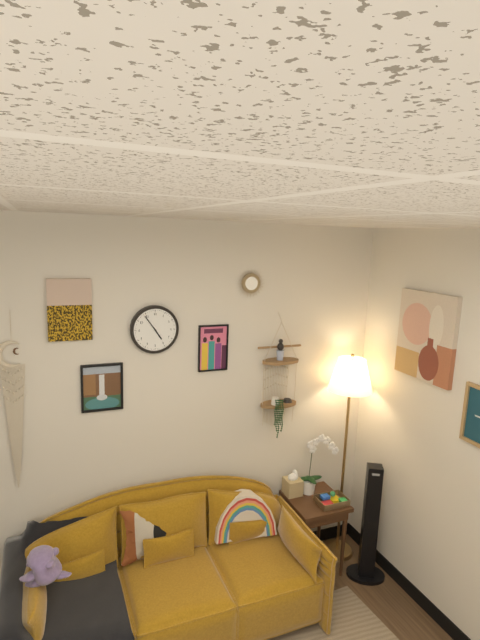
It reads 4h54
